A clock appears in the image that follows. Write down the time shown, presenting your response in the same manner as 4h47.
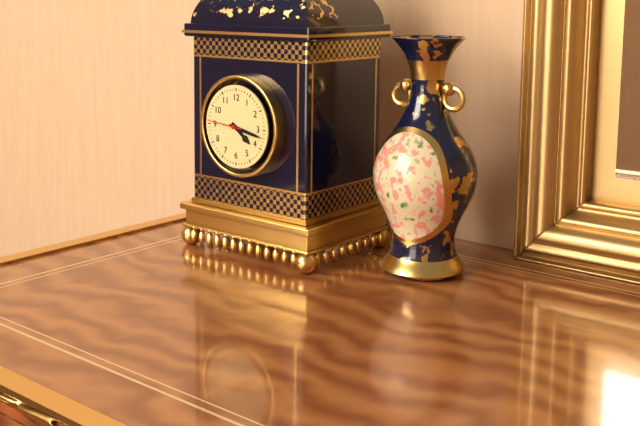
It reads 4h17
